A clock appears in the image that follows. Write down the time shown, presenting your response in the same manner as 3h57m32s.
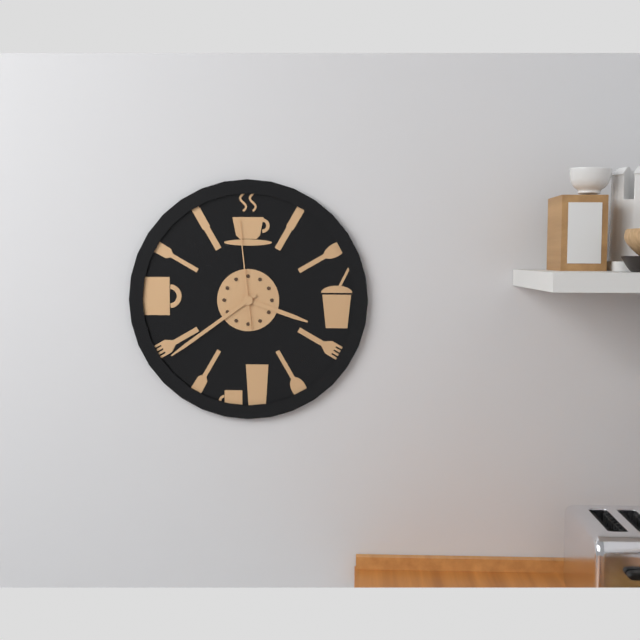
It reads 3h39m59s
